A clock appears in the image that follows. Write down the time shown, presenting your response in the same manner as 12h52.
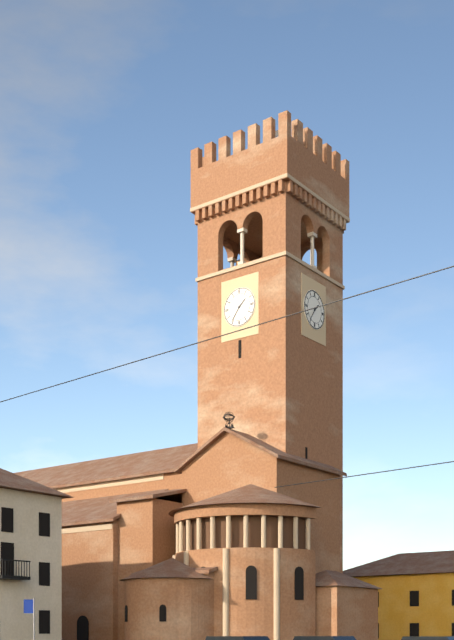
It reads 1h36
